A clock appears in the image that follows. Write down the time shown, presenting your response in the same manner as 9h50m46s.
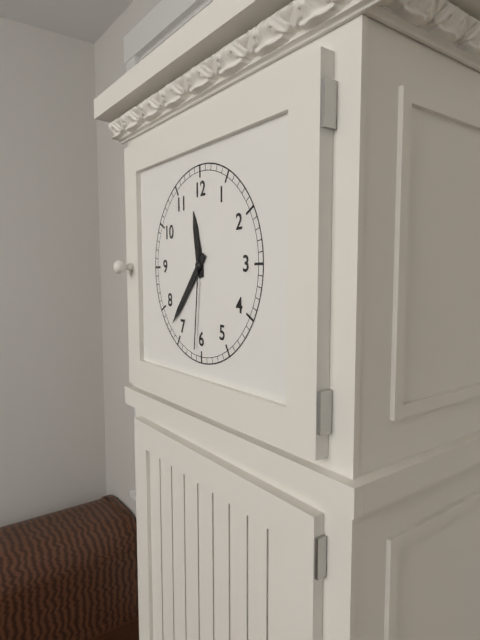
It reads 11h37m31s
